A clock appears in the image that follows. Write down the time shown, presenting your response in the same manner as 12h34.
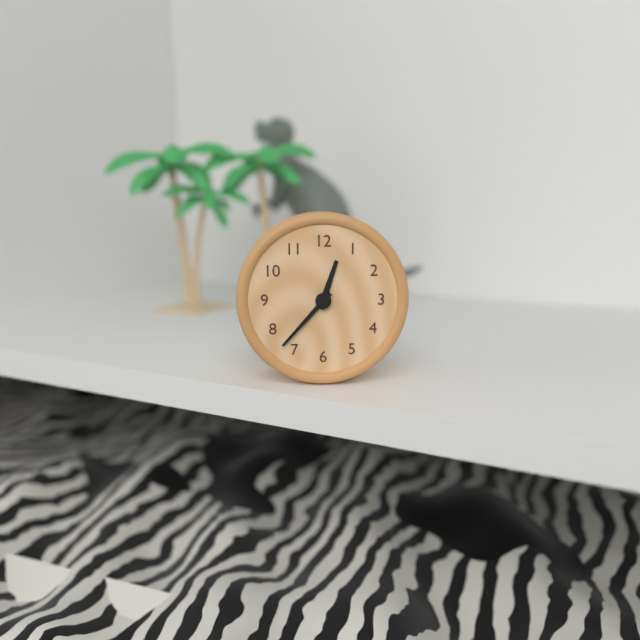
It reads 12h37
